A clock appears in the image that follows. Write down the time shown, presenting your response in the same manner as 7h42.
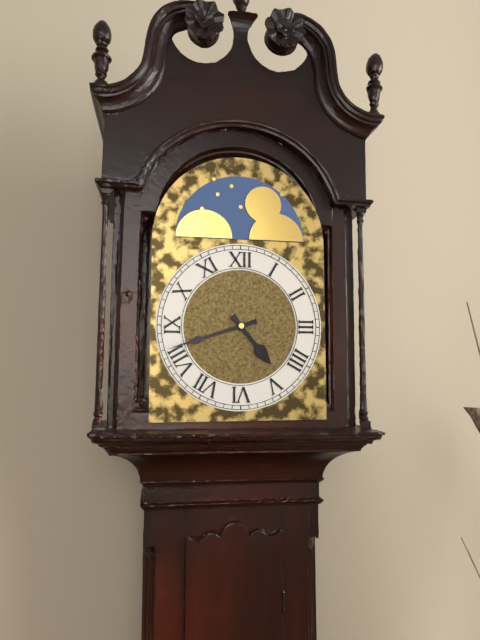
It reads 4h42
